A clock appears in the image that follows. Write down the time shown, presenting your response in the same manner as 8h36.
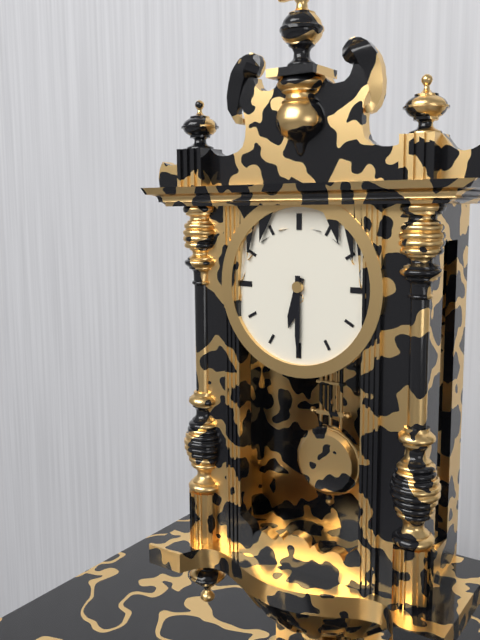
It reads 6h30
